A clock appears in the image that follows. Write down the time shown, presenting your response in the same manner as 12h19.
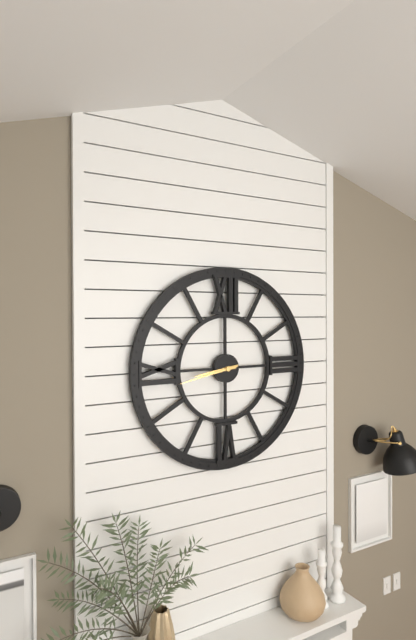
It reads 8h43
